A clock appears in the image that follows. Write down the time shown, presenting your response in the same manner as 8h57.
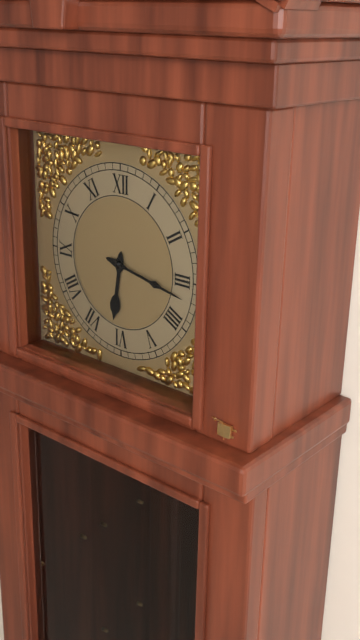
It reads 6h17
